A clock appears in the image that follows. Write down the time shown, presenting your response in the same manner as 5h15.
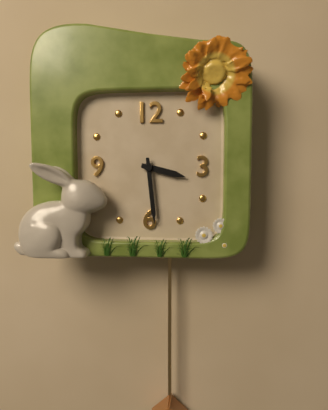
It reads 3h29
